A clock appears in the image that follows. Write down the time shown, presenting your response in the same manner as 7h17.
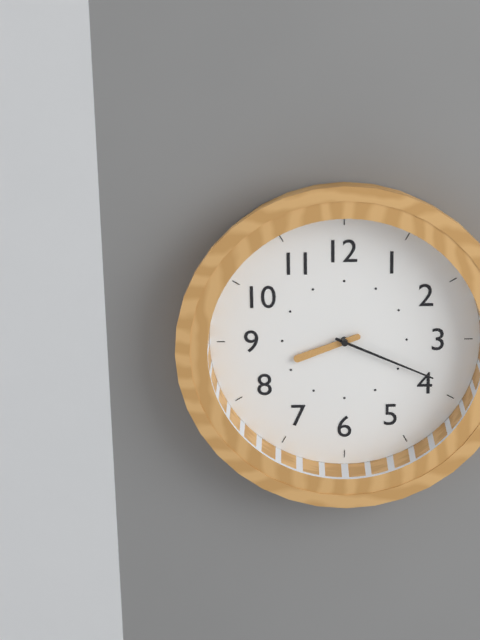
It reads 8h19
